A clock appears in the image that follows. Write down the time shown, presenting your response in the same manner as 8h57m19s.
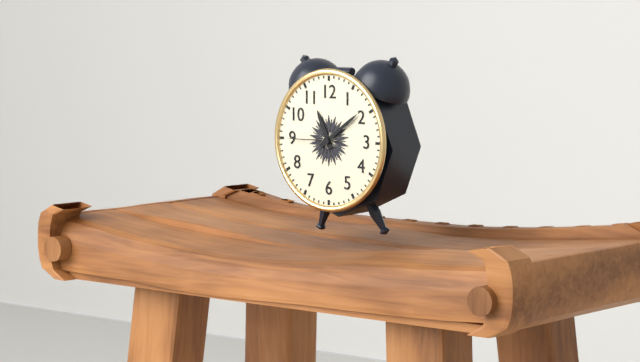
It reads 11h09m45s
